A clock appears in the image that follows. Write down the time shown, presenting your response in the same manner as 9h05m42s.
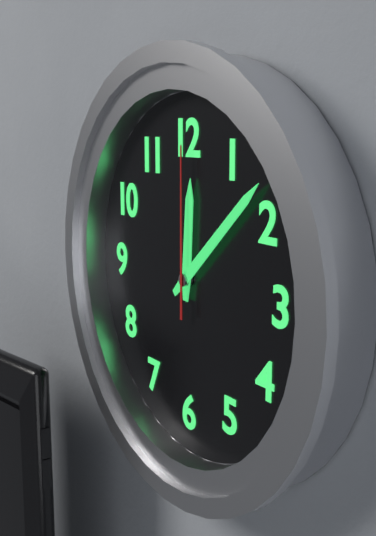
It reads 12h08m00s
